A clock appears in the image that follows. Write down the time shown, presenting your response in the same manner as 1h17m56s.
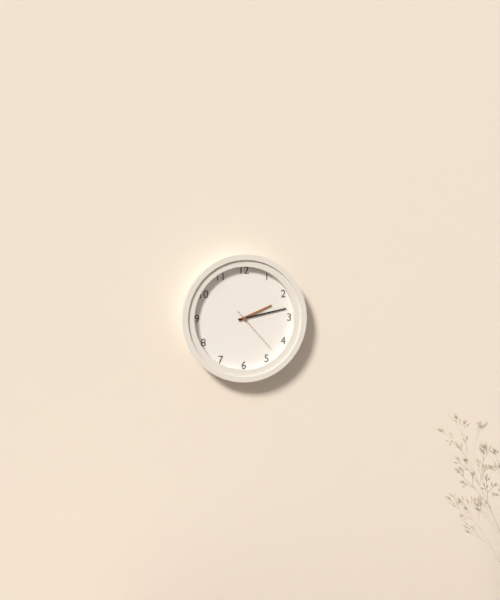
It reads 2h13m23s
